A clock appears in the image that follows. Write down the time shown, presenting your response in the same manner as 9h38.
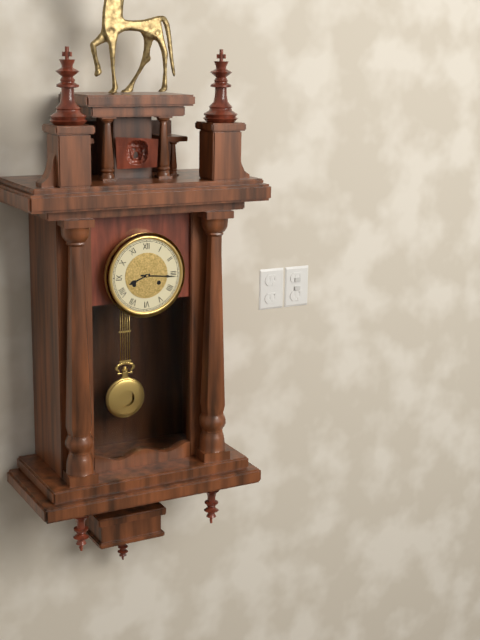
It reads 8h16
